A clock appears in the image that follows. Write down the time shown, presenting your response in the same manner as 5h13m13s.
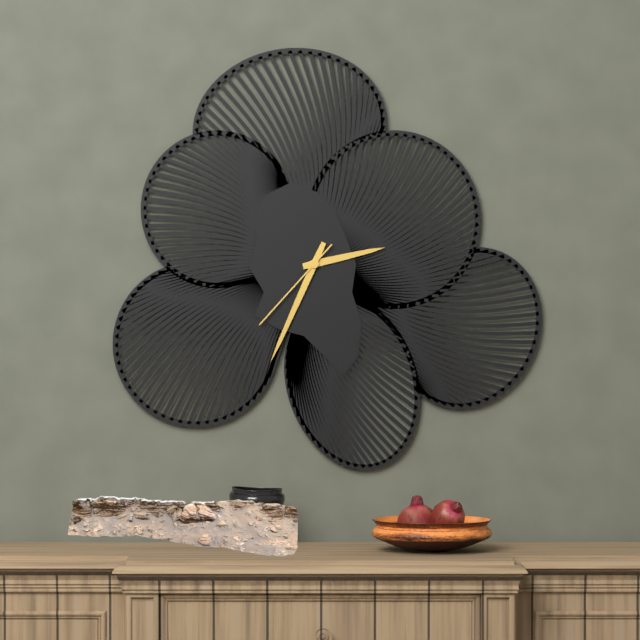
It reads 2h34m37s
